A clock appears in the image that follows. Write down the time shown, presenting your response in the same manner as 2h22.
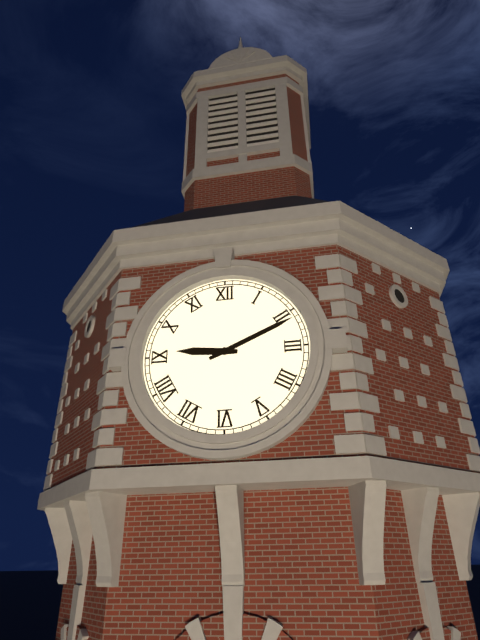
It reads 9h11
